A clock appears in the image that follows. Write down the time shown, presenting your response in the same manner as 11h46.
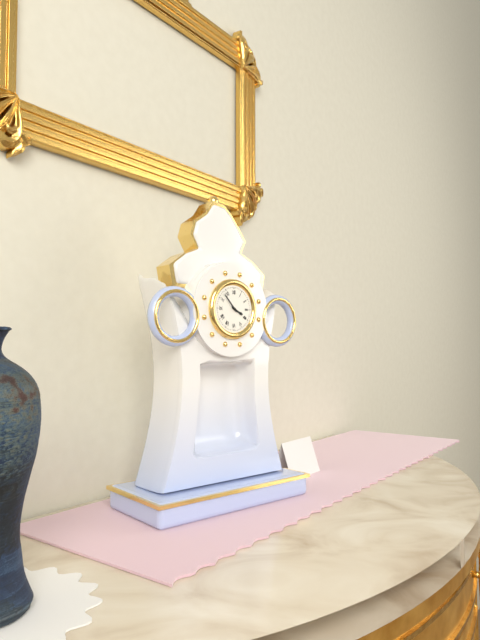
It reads 3h53
